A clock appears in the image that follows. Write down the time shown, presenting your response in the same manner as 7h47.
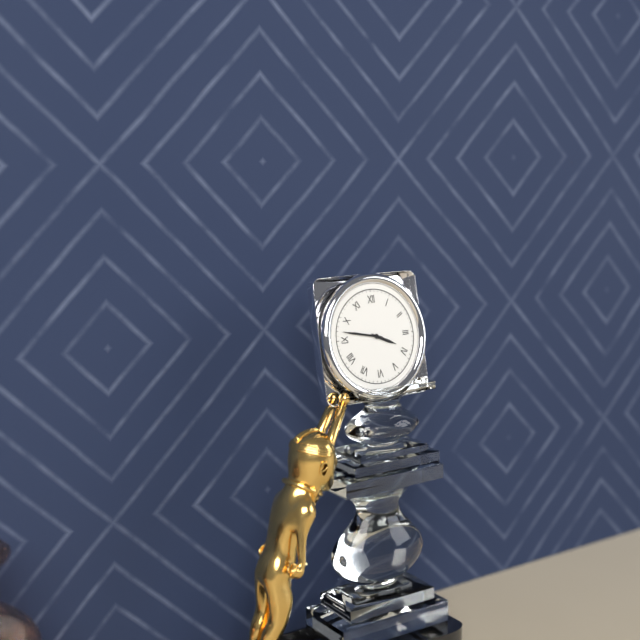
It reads 3h47
